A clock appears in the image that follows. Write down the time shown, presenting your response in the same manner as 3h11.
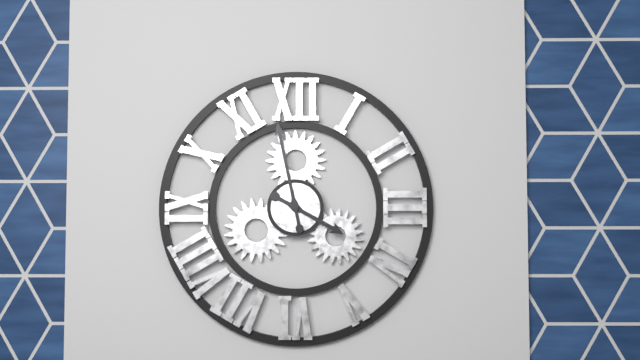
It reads 3h58
